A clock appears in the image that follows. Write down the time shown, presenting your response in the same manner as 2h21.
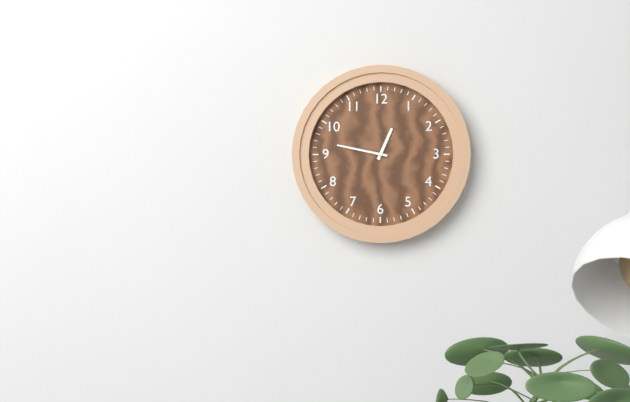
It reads 12h47
